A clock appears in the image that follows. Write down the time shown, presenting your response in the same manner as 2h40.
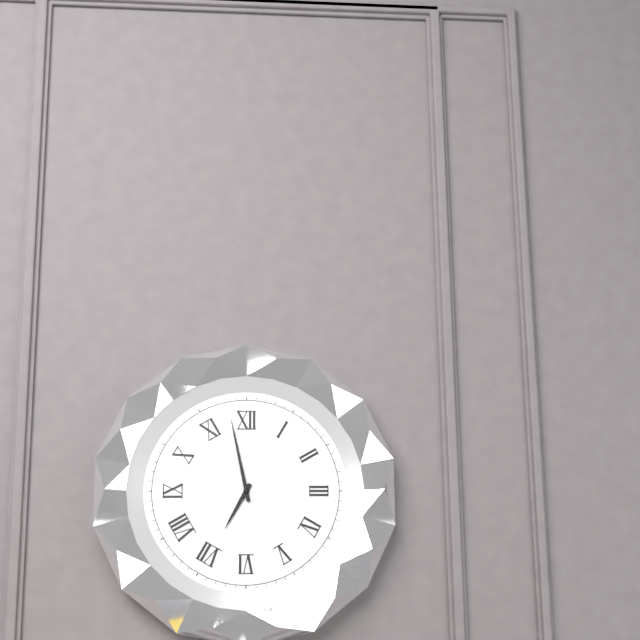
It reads 6h58
